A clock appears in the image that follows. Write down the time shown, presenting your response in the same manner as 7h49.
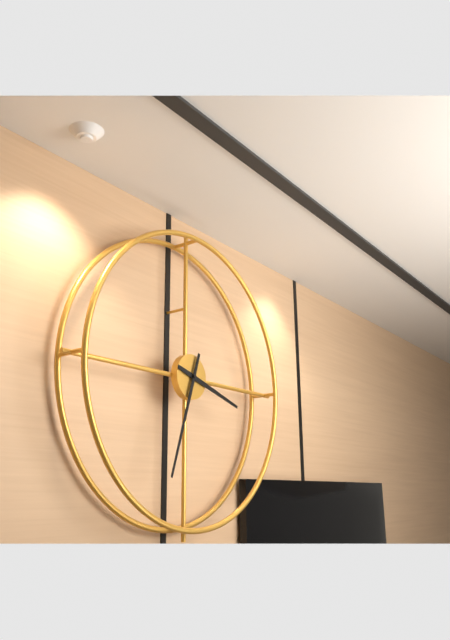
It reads 3h33
